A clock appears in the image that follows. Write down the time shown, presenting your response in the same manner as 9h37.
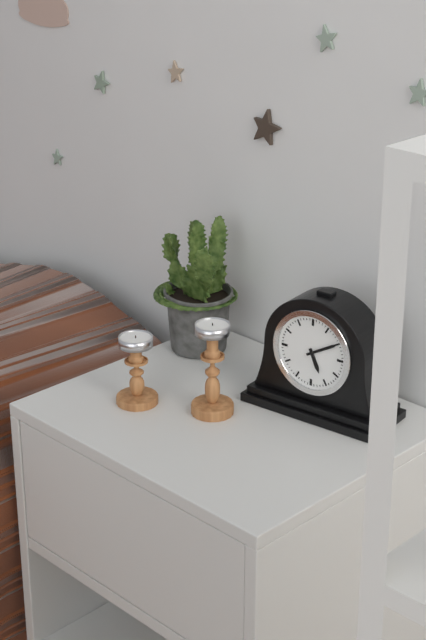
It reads 5h10
